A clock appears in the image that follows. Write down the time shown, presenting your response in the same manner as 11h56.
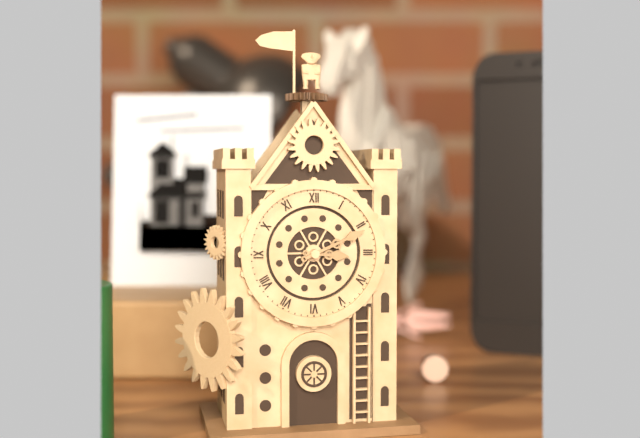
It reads 3h11
